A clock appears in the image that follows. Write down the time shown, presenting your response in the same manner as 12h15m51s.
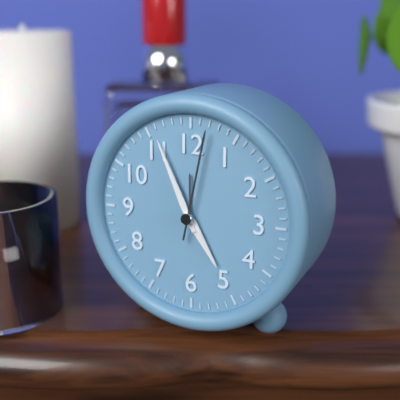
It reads 4h56m02s
